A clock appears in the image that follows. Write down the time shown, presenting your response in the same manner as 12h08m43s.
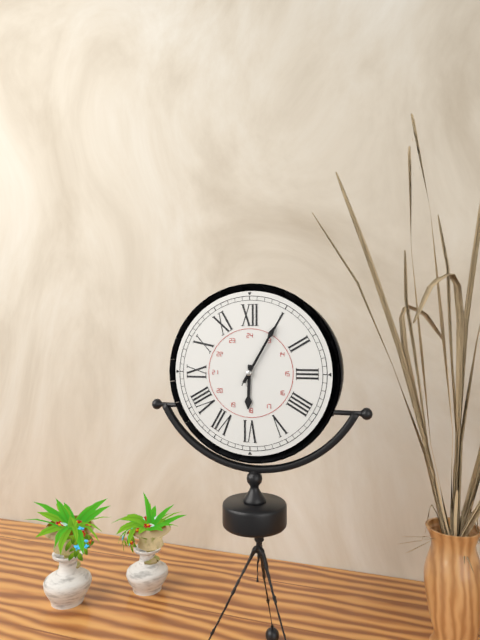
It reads 6h05m05s
